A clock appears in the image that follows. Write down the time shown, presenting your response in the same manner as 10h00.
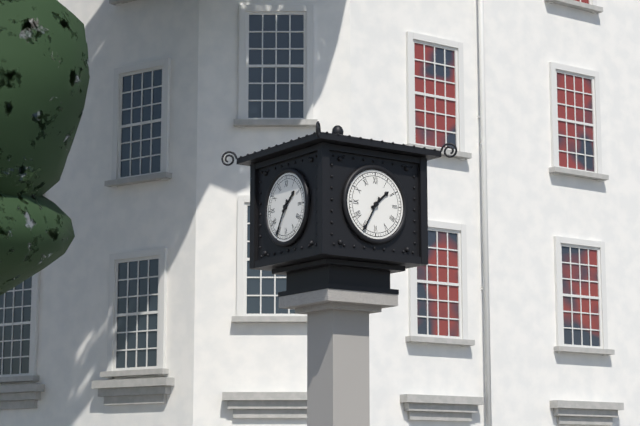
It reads 1h35
